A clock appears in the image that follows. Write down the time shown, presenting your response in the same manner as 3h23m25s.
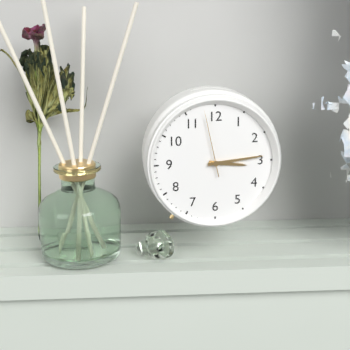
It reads 3h14m58s
